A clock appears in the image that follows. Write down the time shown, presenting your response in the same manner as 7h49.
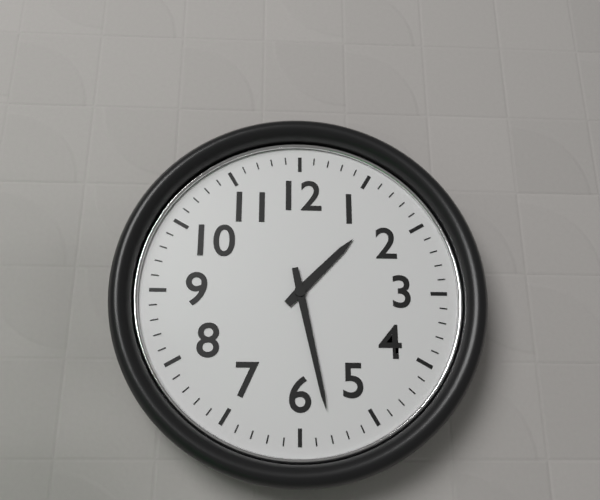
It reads 1h28
